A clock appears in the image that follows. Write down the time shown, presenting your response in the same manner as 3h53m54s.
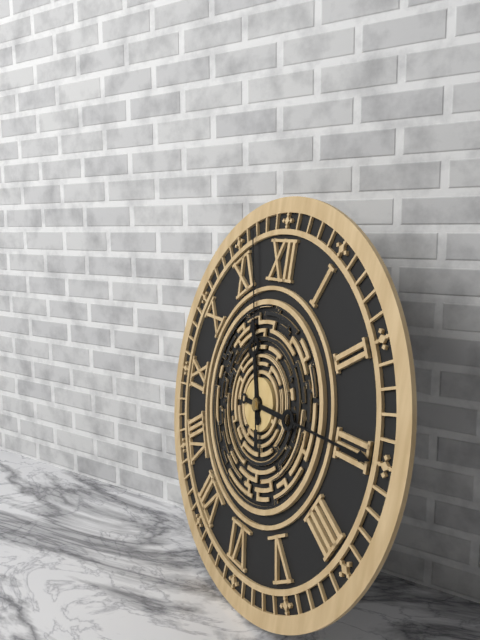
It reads 11h15m57s
